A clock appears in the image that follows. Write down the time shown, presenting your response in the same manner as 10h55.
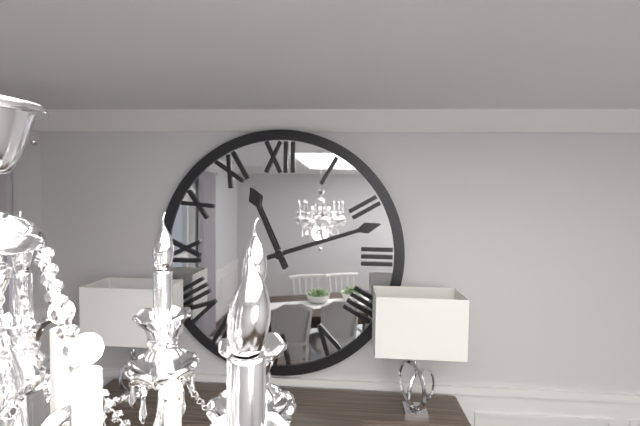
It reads 11h12
